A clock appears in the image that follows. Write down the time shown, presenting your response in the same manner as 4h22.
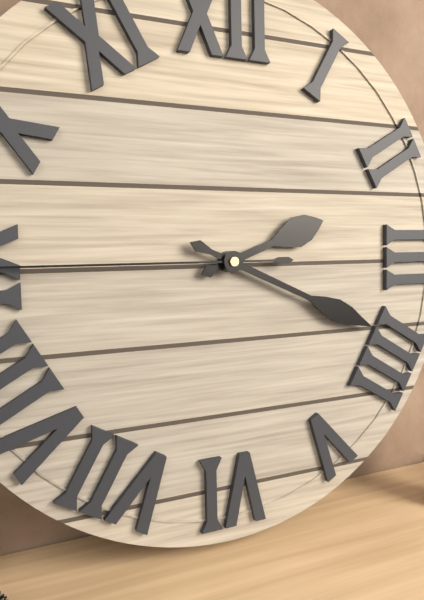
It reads 2h19
